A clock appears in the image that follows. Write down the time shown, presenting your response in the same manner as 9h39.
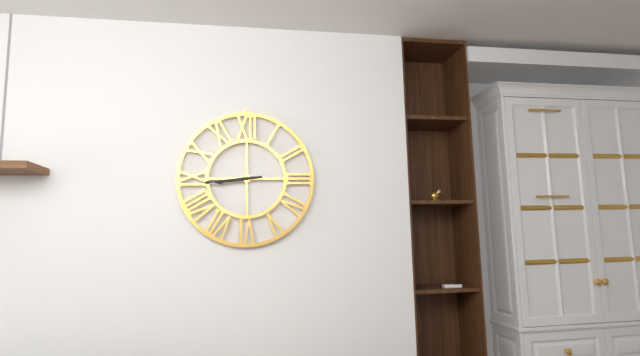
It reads 8h44
